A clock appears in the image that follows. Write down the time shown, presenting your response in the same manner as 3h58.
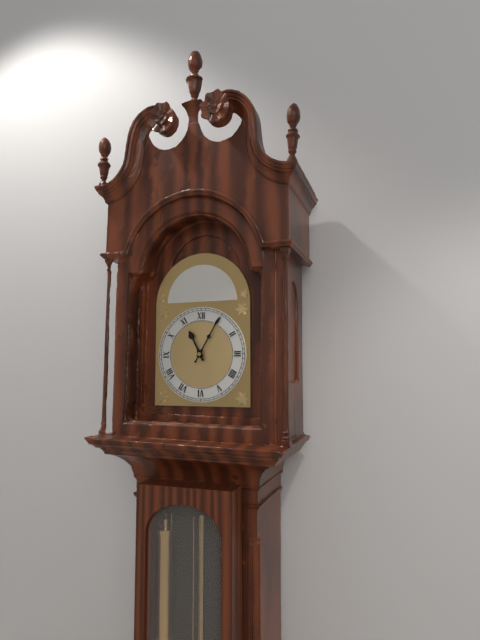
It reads 11h05
